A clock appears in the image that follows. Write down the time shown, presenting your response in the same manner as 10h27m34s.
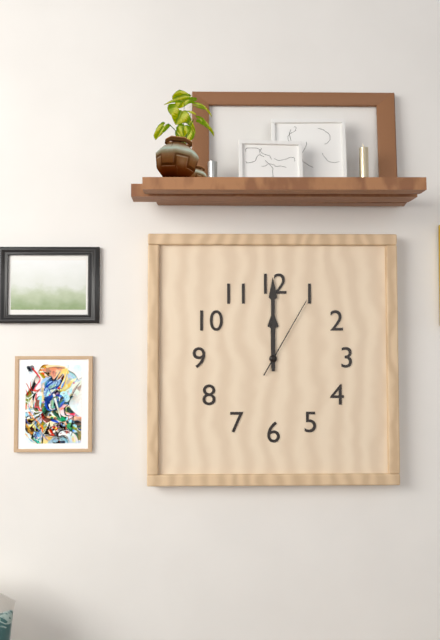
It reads 12h00m05s
